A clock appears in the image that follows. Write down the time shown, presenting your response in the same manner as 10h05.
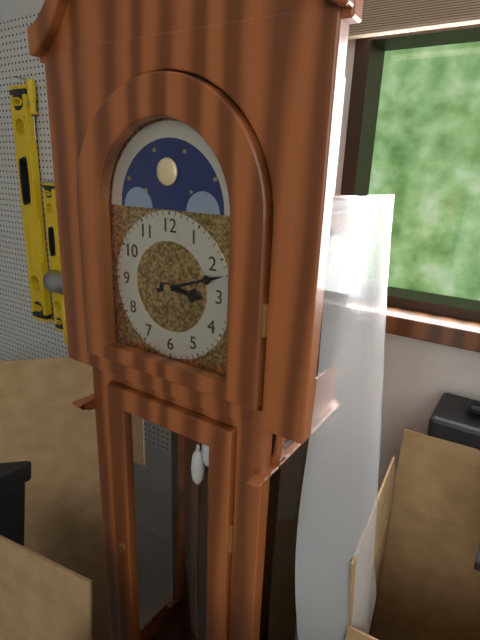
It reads 3h12
